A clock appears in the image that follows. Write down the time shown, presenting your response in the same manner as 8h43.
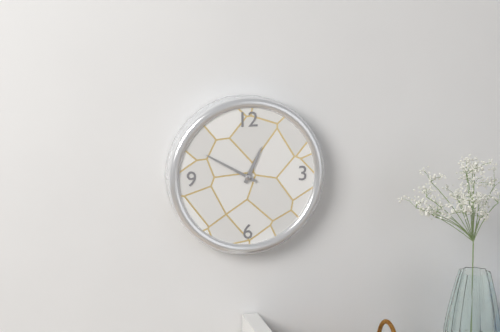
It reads 12h50
